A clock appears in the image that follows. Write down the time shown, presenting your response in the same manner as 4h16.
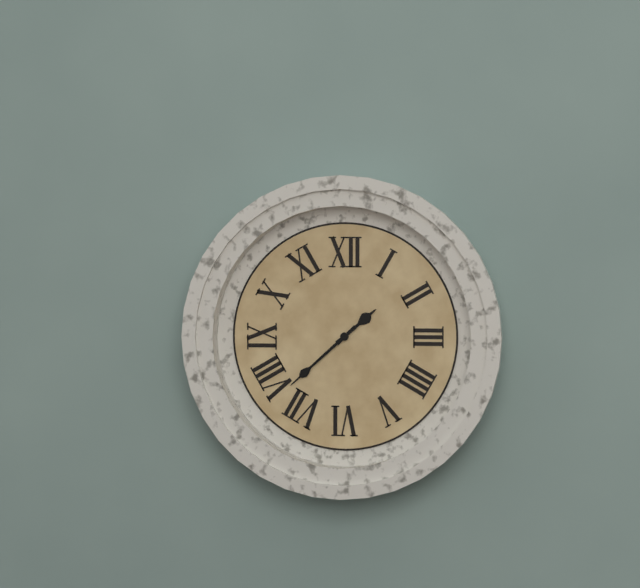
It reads 1h38
